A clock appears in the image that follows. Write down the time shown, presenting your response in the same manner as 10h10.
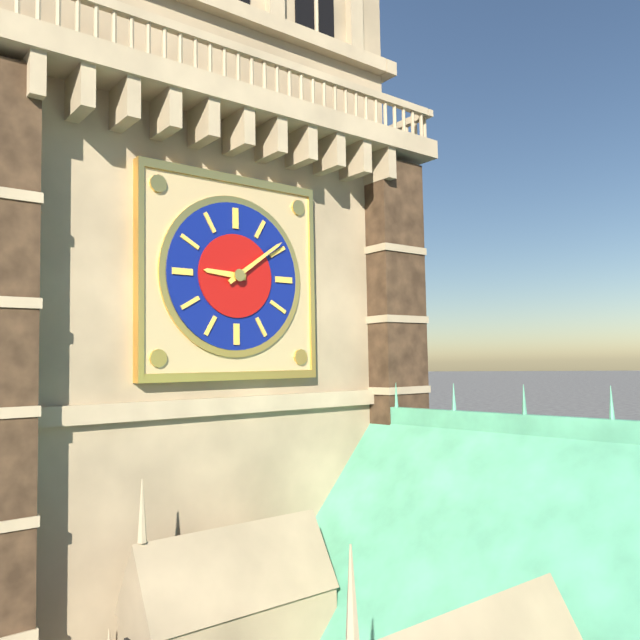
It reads 9h09
